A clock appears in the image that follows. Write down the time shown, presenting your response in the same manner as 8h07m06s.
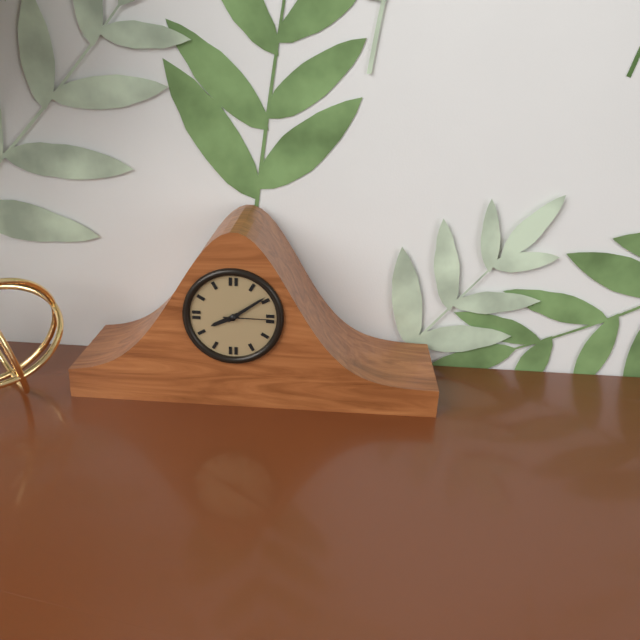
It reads 8h09m15s
